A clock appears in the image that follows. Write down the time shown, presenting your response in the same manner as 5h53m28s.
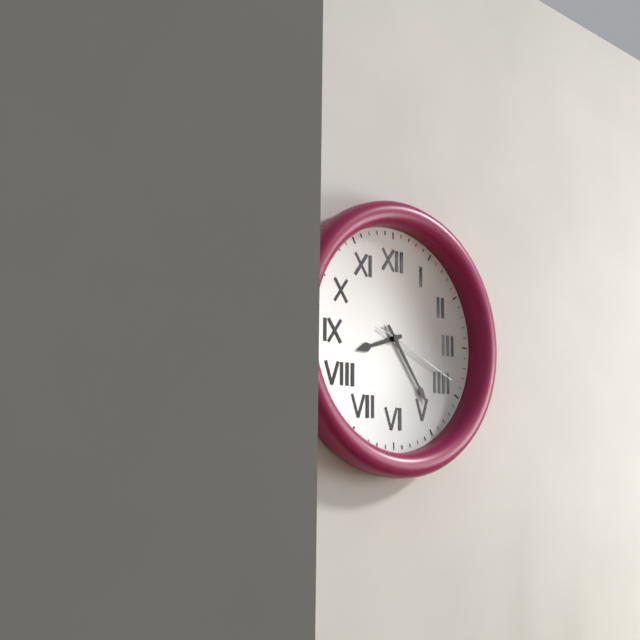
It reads 8h24m19s
